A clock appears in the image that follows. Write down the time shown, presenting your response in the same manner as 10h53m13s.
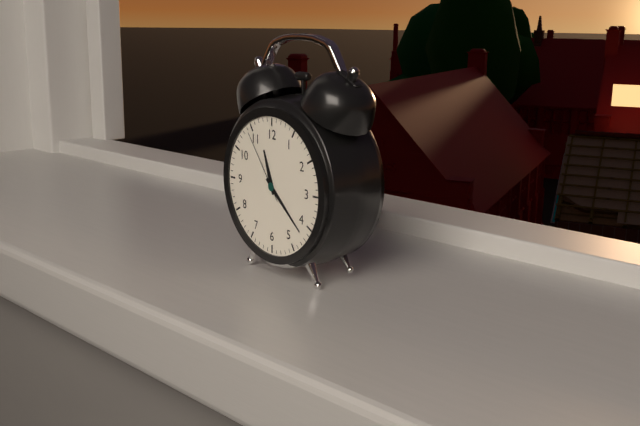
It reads 11h22m54s
